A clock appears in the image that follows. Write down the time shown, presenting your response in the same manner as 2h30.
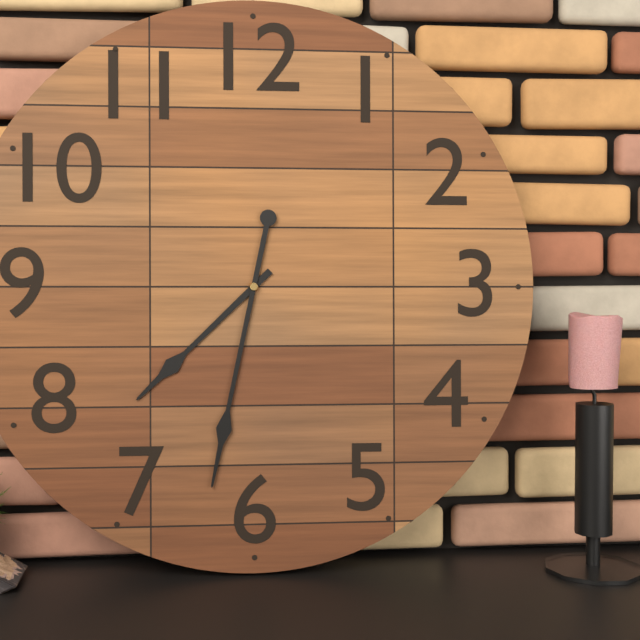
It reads 7h32
